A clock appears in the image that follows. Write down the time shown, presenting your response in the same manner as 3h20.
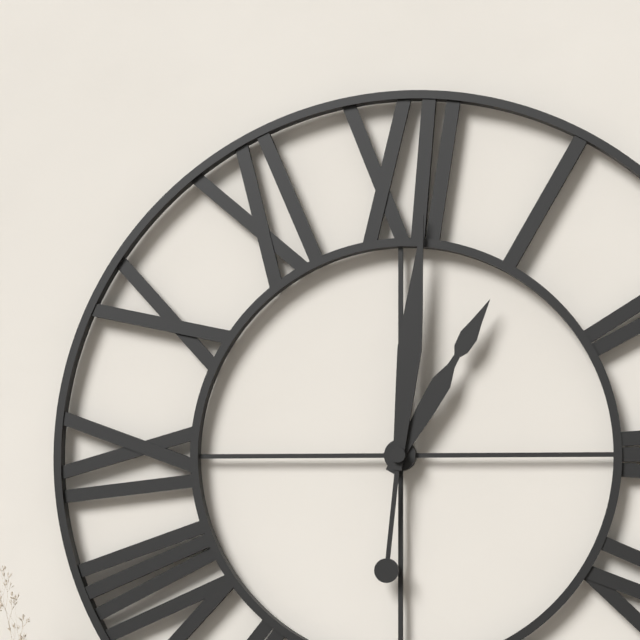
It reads 1h01
